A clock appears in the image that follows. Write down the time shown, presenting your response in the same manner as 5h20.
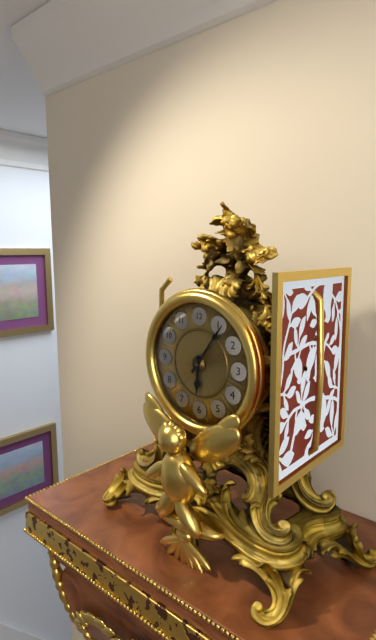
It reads 6h06
